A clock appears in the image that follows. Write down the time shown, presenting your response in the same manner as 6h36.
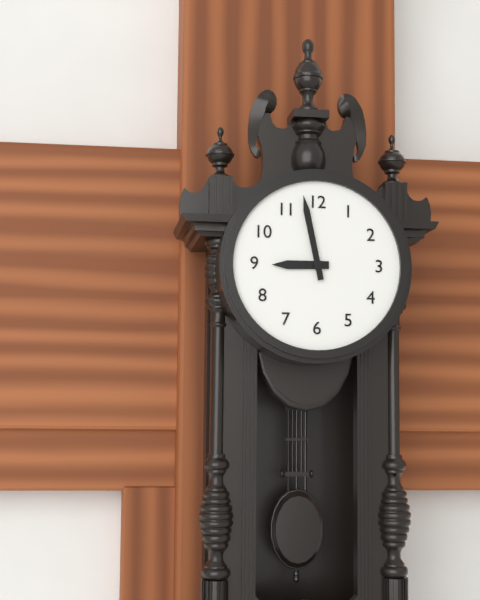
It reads 8h58
